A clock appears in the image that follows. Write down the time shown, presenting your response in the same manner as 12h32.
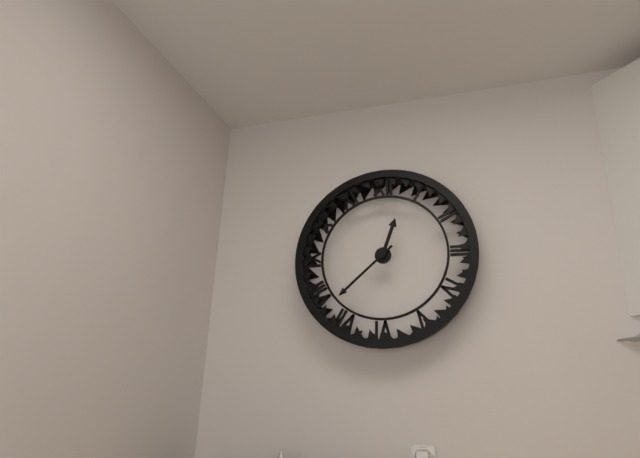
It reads 12h38
